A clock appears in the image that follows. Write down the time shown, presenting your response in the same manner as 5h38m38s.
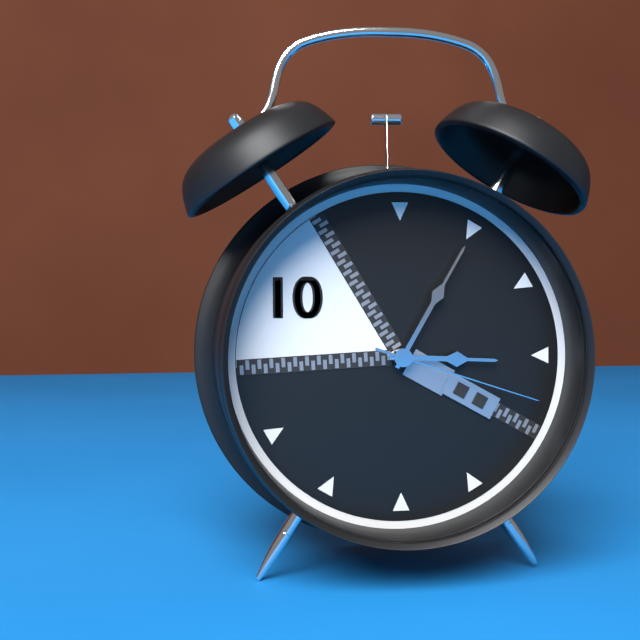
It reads 3h05m18s
